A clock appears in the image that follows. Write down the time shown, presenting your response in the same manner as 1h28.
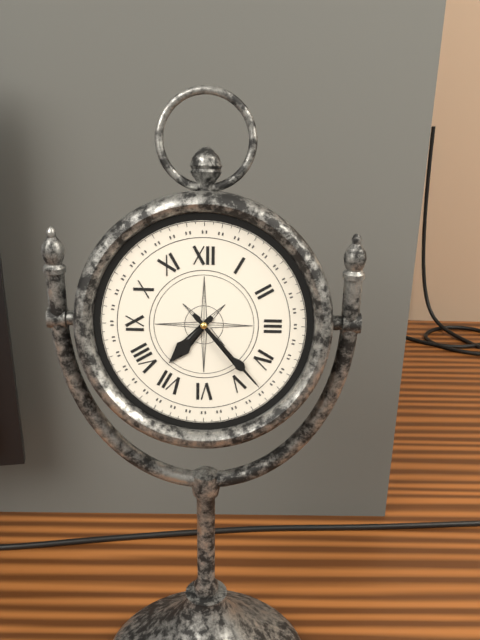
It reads 7h23
